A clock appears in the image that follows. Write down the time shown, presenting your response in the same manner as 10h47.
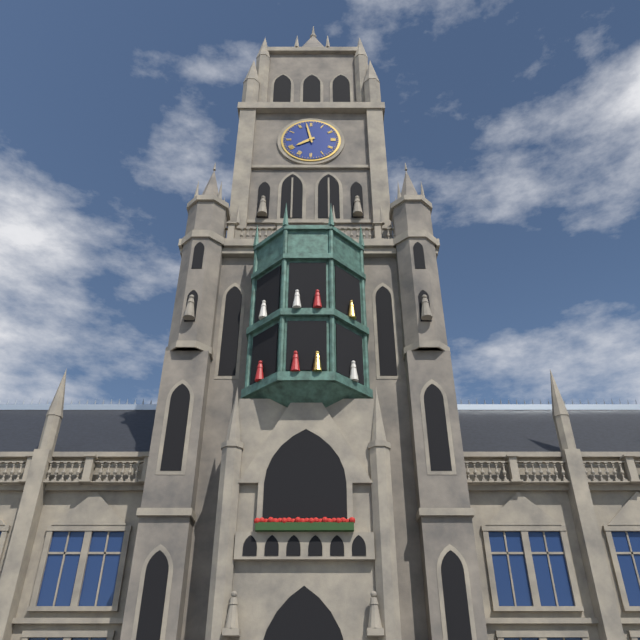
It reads 7h58
